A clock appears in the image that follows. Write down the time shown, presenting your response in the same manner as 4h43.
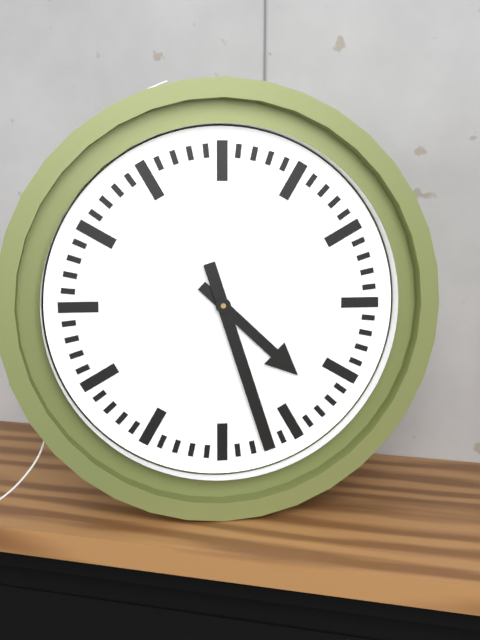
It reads 4h27
